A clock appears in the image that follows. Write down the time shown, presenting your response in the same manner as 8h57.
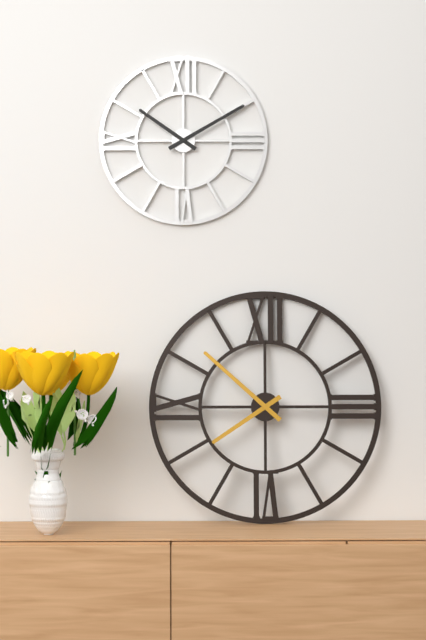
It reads 7h52
